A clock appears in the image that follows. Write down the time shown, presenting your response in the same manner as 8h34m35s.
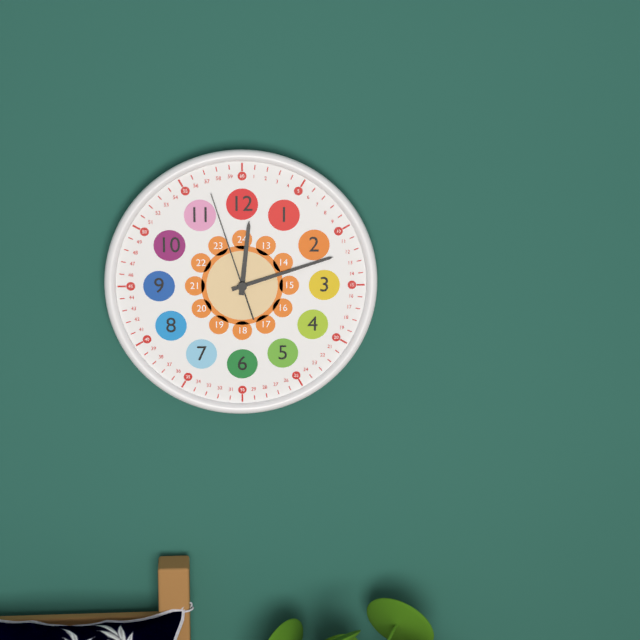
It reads 12h12m57s
